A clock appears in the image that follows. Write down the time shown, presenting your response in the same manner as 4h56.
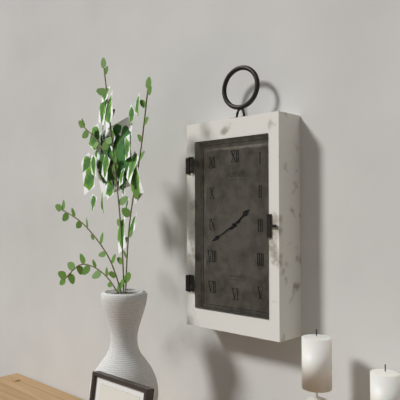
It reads 1h40
